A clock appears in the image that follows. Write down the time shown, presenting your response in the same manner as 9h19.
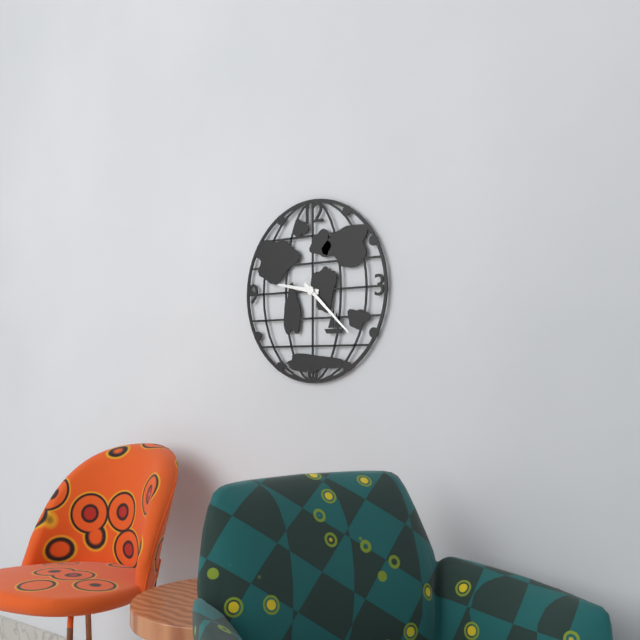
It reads 9h22
